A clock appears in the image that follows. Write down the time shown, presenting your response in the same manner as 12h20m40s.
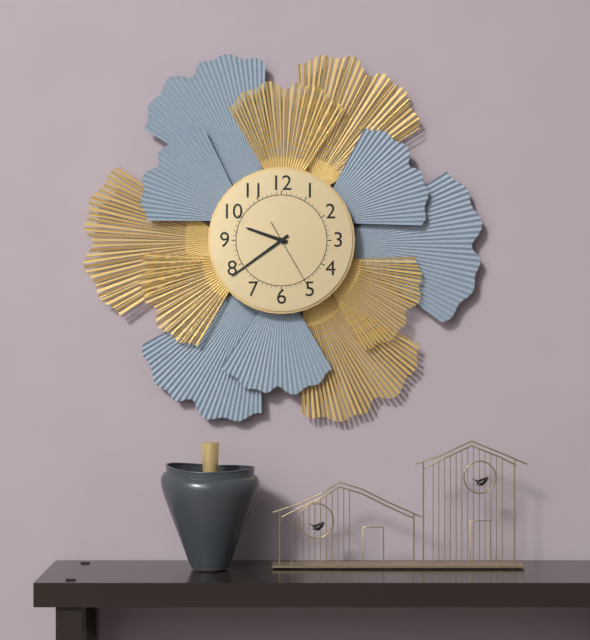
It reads 9h39m25s
